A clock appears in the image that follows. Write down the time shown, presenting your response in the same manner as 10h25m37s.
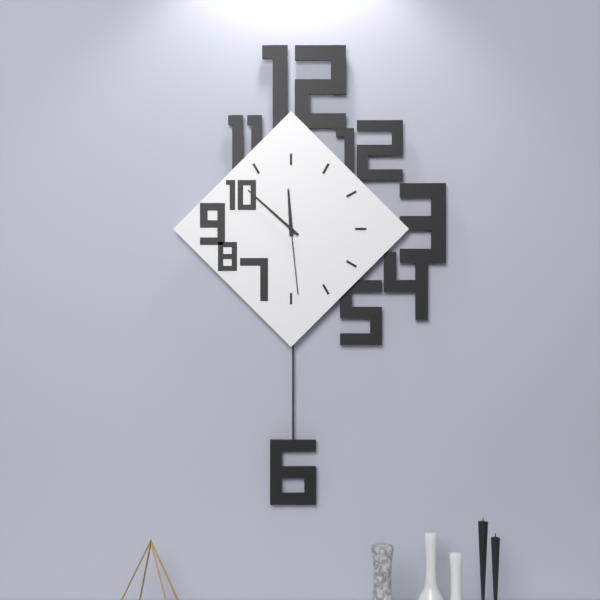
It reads 11h52m29s
